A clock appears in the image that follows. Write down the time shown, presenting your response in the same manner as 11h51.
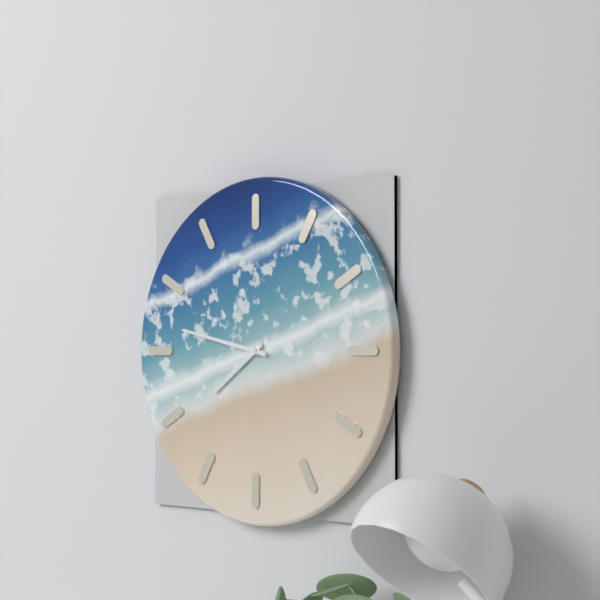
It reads 7h47
